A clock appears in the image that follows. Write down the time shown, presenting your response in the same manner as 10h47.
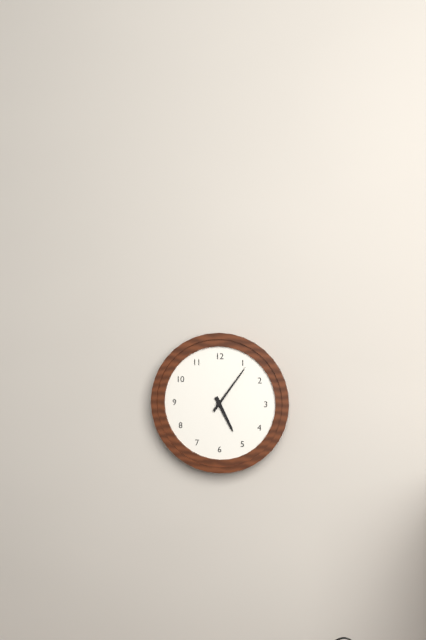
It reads 5h06
